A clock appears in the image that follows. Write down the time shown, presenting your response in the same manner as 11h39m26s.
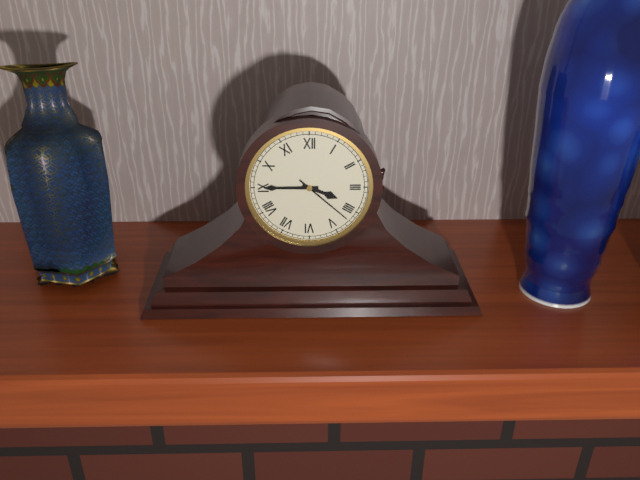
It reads 3h45m22s
